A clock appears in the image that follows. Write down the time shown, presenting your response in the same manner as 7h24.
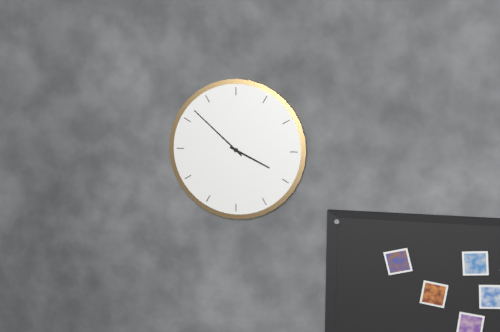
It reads 3h52
